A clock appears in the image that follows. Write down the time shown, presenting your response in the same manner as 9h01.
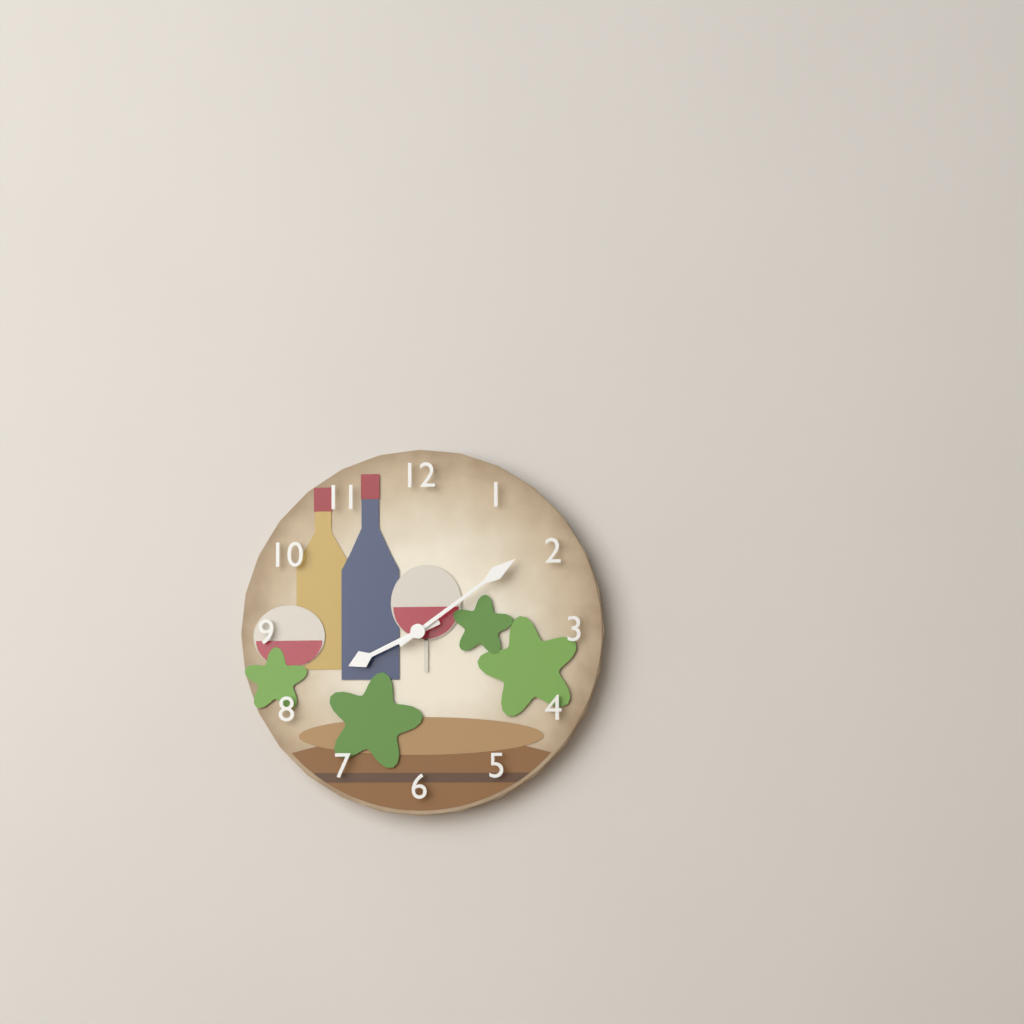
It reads 8h09
